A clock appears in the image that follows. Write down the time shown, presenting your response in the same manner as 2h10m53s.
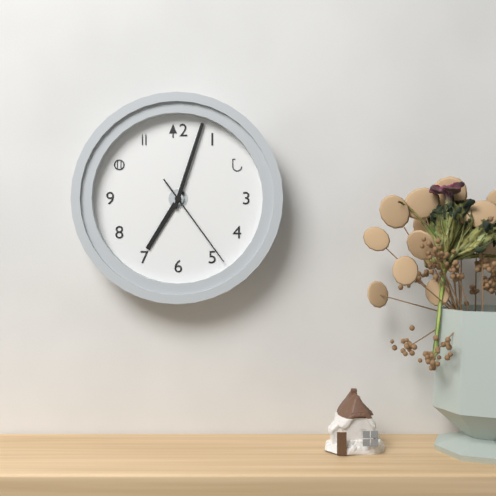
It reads 7h03m24s
